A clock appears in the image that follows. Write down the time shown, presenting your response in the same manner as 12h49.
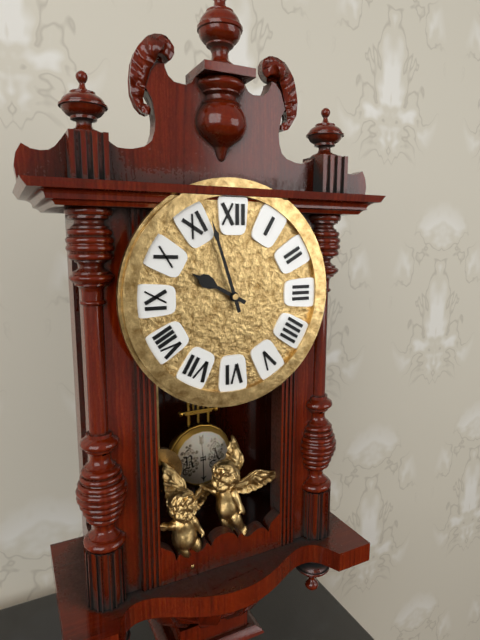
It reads 9h57
